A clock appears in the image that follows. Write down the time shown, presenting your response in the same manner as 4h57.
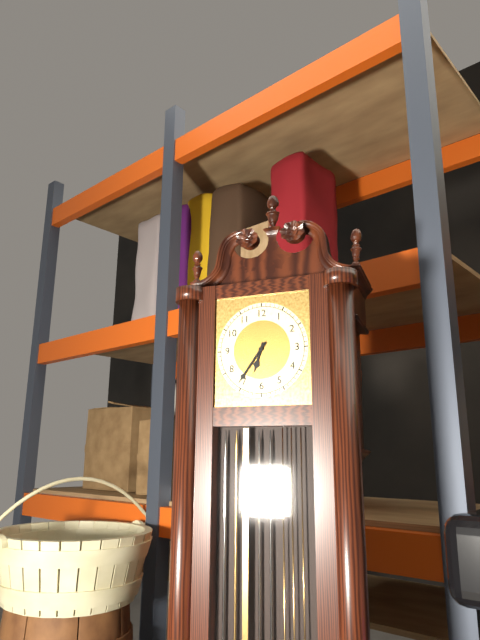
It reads 6h36
